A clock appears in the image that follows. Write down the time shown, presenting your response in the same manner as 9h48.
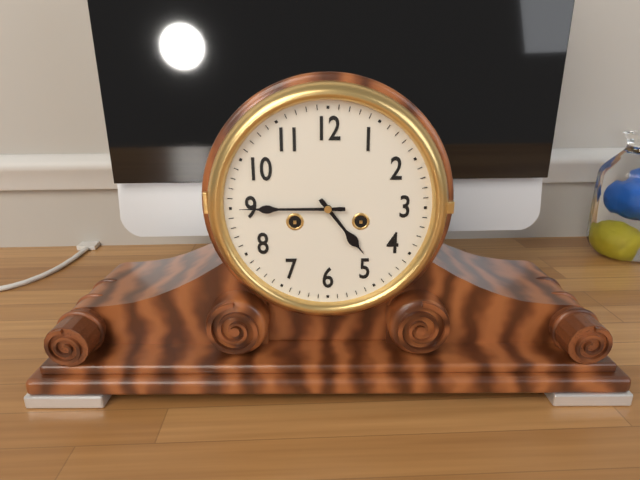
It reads 4h45
